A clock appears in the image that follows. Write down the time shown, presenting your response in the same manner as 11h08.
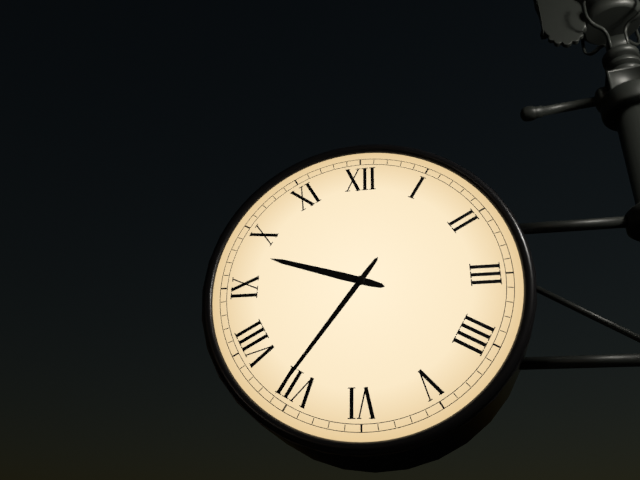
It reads 9h36
